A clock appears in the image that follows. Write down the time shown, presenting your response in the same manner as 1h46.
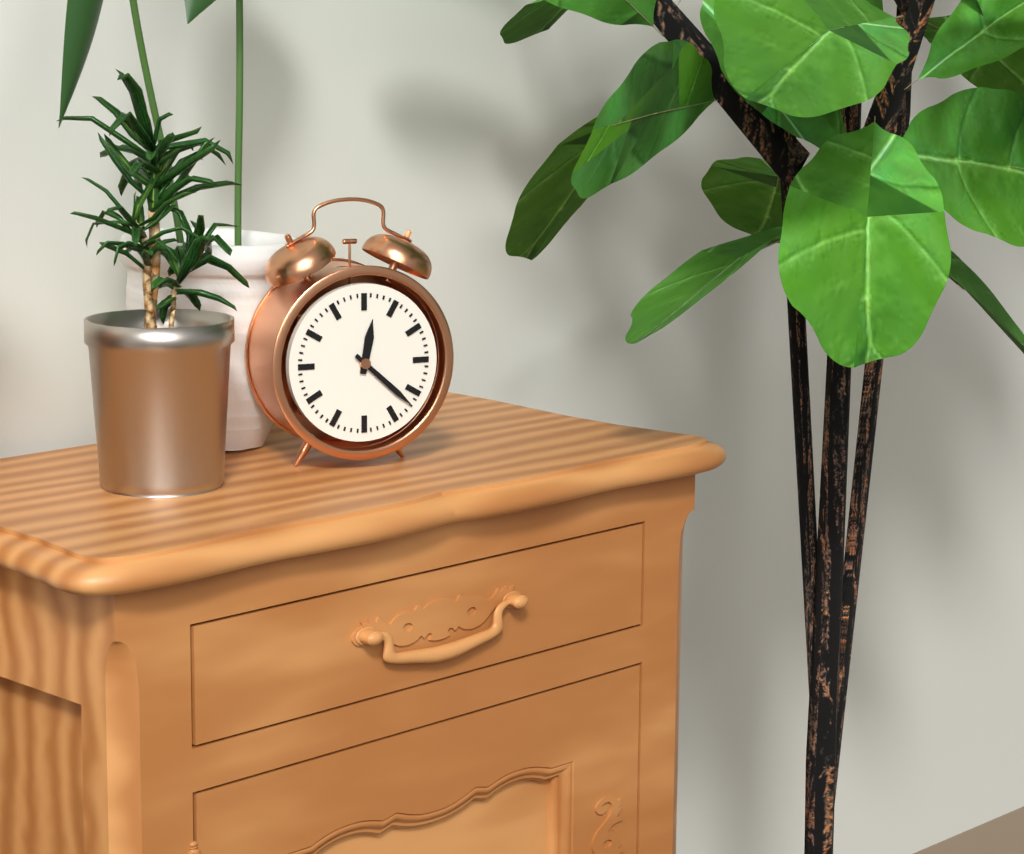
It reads 12h22
